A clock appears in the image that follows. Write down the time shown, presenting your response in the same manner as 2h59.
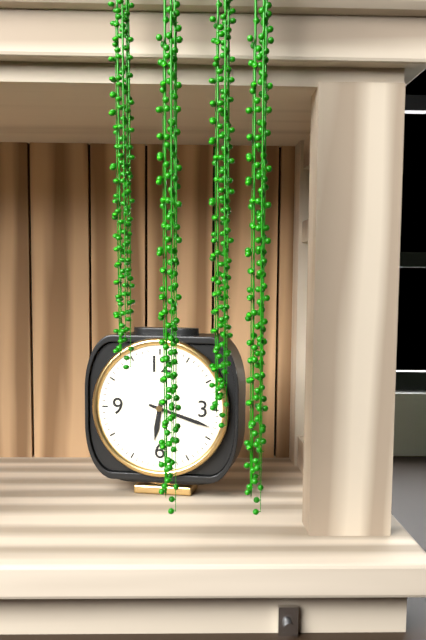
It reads 6h18
